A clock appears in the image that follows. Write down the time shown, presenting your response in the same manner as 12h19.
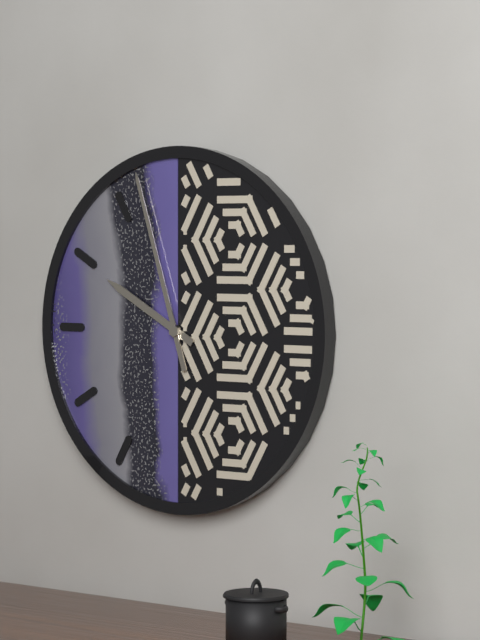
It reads 9h57
